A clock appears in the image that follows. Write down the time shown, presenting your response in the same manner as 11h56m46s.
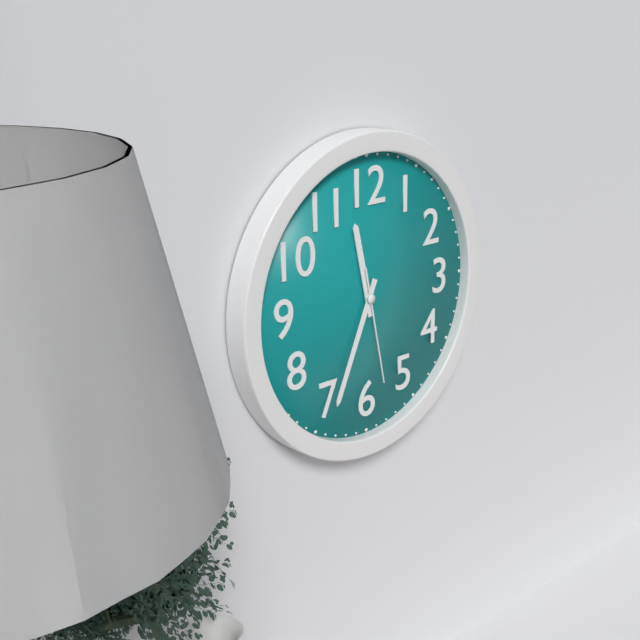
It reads 11h34m28s
